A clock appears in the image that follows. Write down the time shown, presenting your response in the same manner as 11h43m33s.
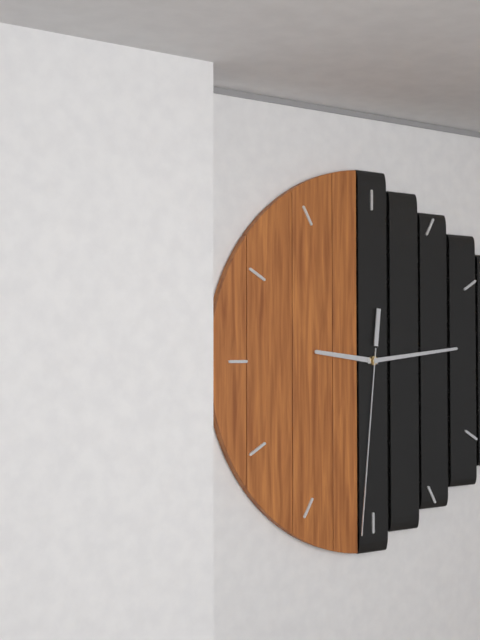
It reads 9h14m31s
